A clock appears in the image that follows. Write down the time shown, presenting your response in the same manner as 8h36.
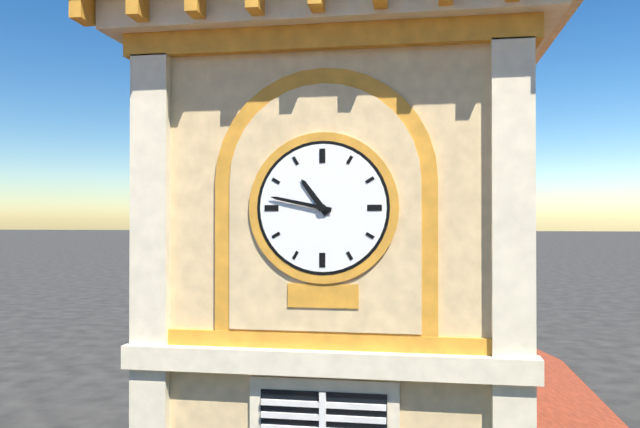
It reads 10h47
